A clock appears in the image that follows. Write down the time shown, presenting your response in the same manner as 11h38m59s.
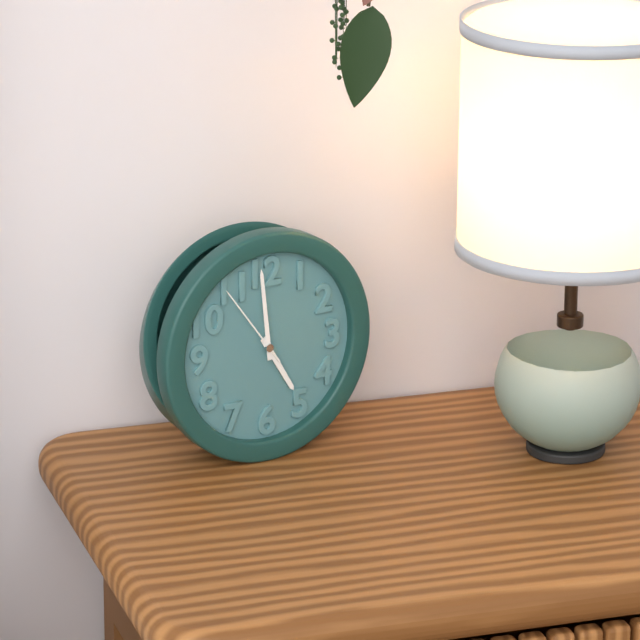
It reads 4h59m54s
